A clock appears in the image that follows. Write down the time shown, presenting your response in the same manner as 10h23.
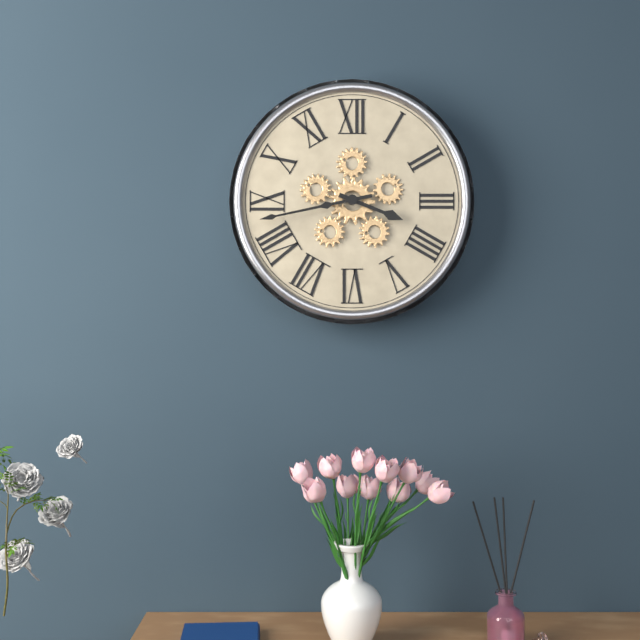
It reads 3h43
